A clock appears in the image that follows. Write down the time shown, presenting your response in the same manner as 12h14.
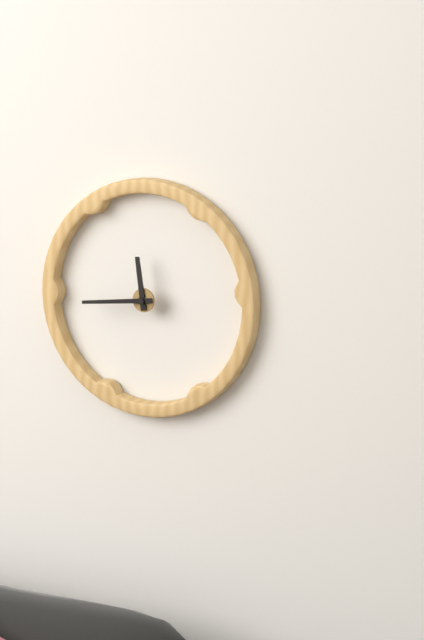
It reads 11h44
